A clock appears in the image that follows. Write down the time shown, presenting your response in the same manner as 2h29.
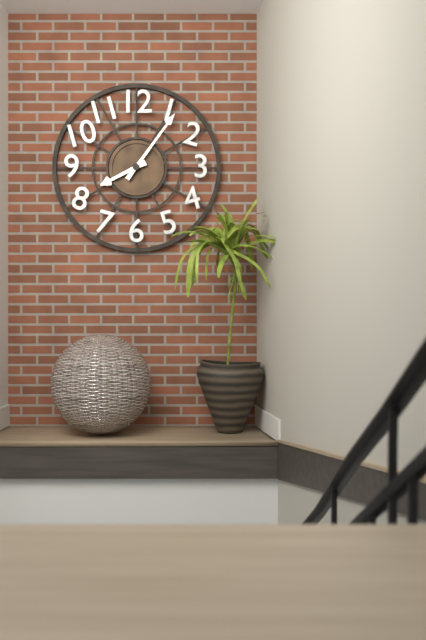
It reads 8h06
